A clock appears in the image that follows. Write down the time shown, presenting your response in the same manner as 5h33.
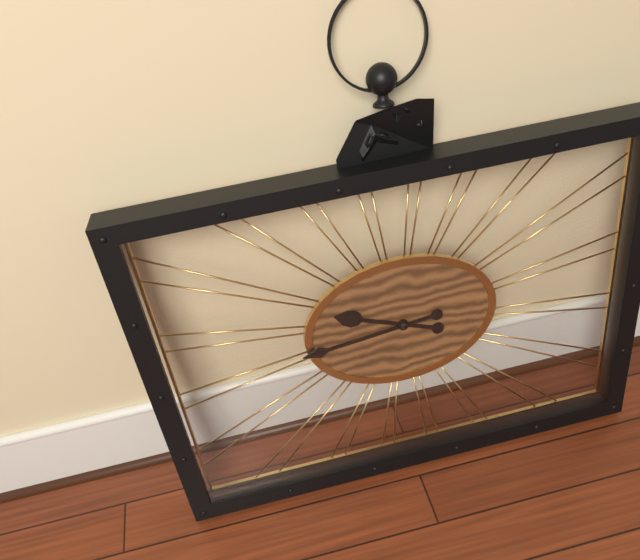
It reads 9h44
